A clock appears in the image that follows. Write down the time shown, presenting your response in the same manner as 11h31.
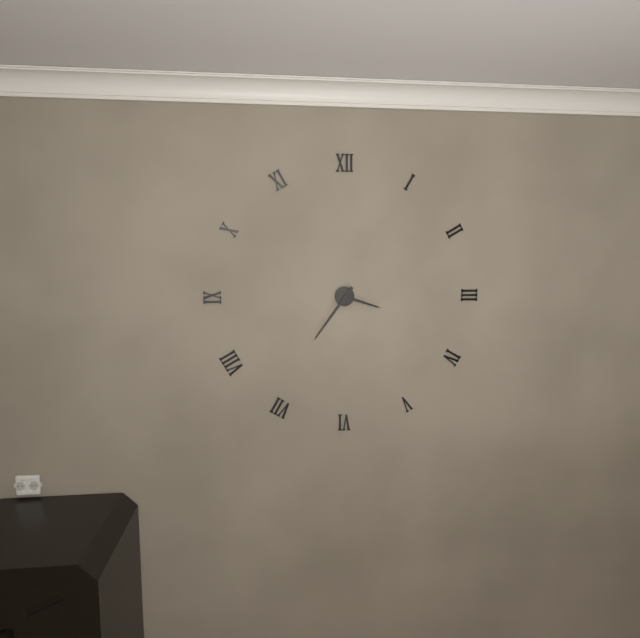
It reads 3h36
